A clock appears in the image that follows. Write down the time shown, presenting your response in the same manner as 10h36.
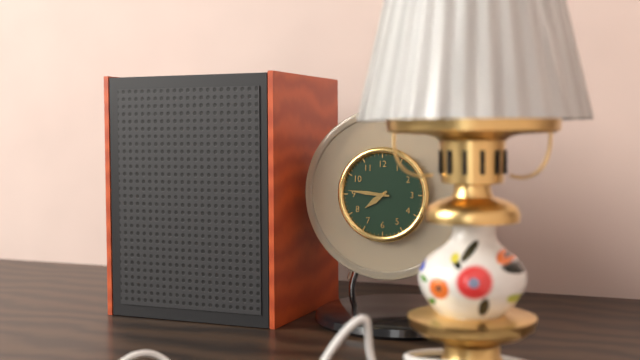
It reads 7h46
